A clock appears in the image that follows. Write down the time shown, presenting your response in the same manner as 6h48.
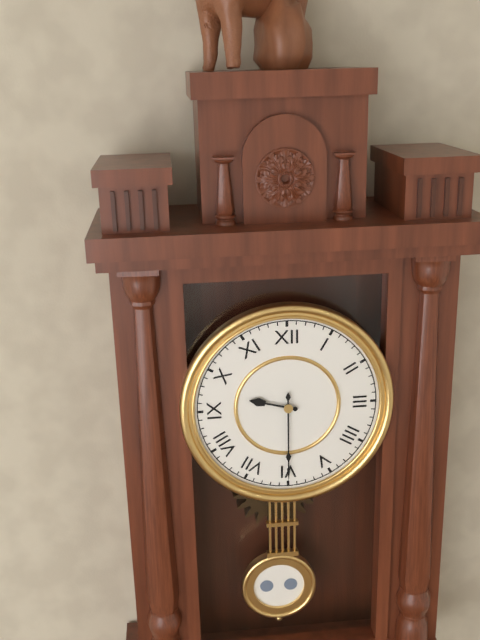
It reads 9h30
